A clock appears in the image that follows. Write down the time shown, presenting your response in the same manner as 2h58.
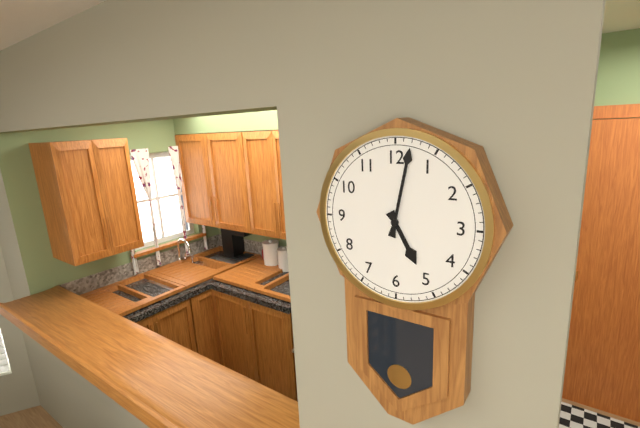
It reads 5h02
